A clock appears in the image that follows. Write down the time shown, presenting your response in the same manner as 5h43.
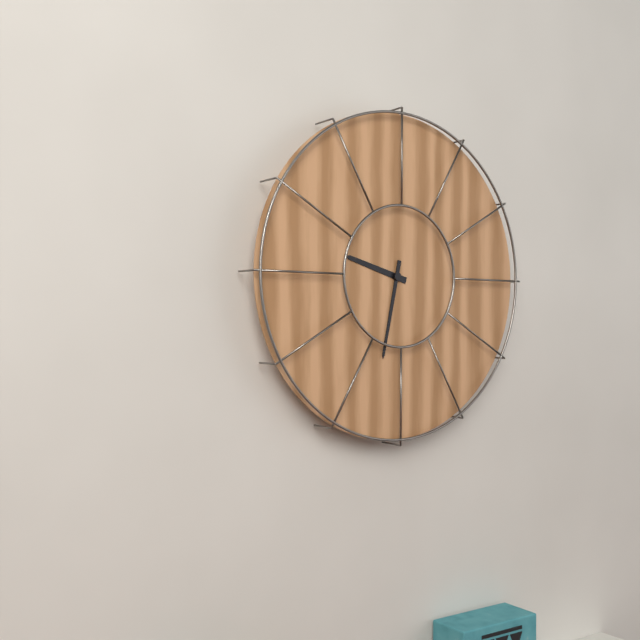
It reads 9h32
